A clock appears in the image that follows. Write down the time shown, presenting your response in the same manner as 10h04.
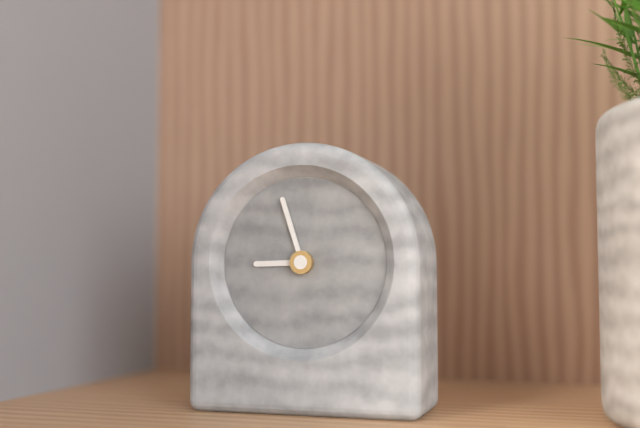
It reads 8h57
